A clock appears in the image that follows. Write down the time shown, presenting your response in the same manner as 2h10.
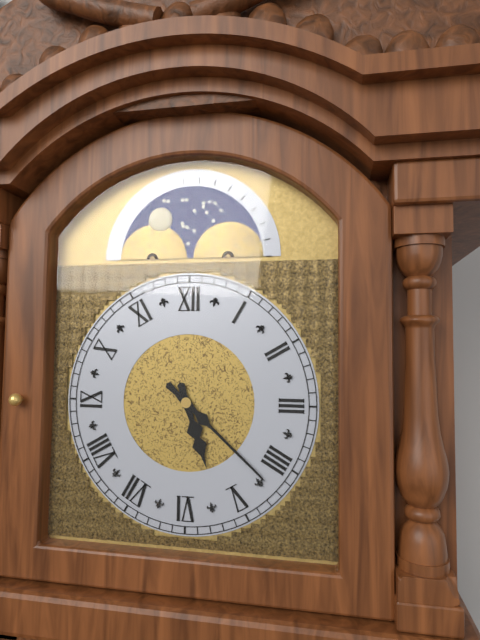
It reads 5h22
